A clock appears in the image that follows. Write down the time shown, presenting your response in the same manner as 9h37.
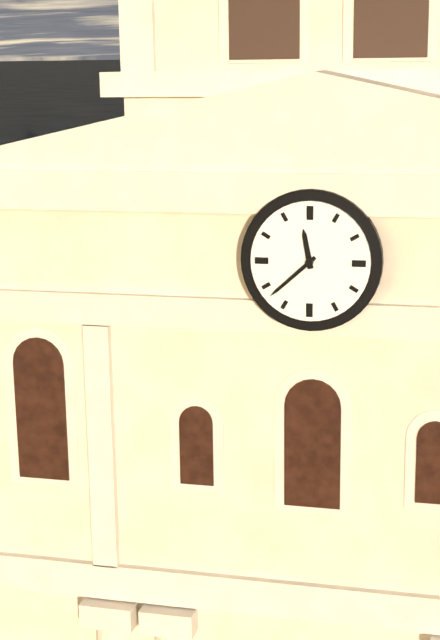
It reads 11h38
